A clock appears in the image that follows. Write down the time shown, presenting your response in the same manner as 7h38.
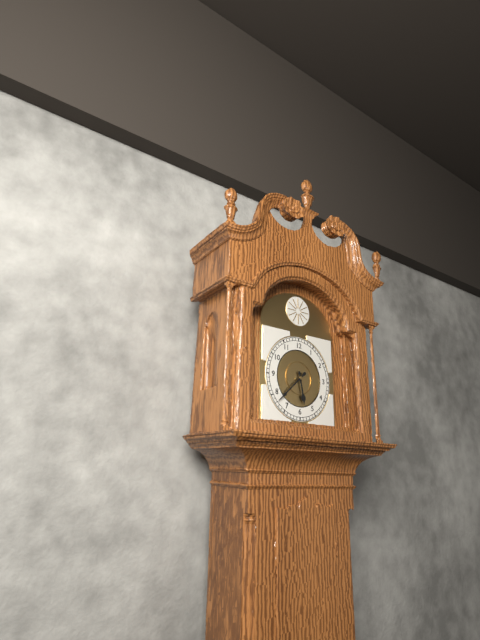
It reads 5h38
